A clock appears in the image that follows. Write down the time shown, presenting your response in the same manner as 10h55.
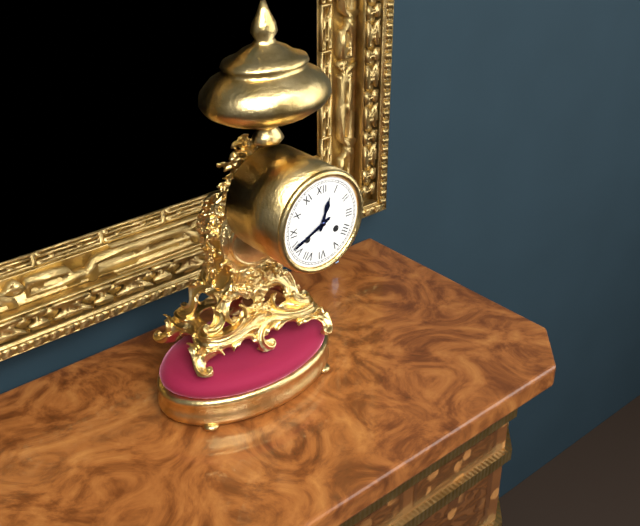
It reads 12h41
